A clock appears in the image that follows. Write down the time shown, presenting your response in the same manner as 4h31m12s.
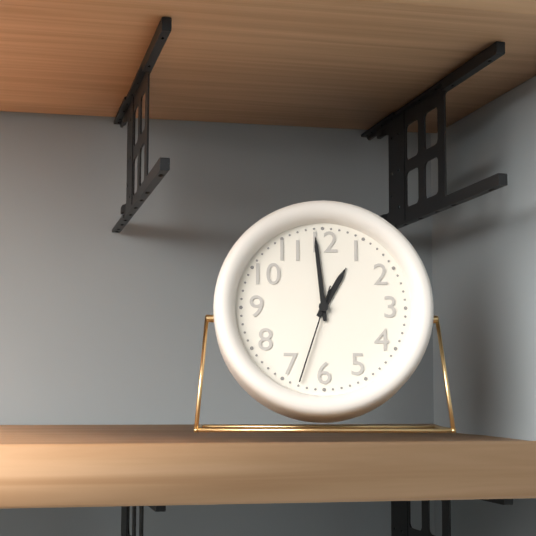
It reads 12h59m33s
